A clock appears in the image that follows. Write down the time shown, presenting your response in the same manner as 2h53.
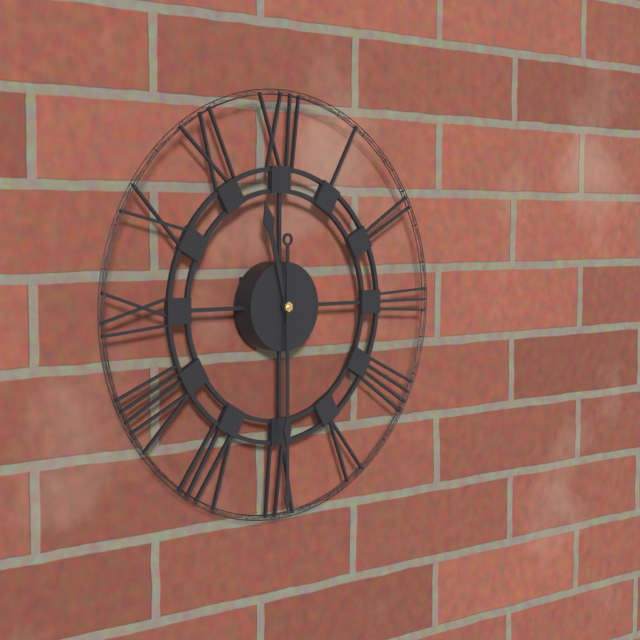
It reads 11h30
